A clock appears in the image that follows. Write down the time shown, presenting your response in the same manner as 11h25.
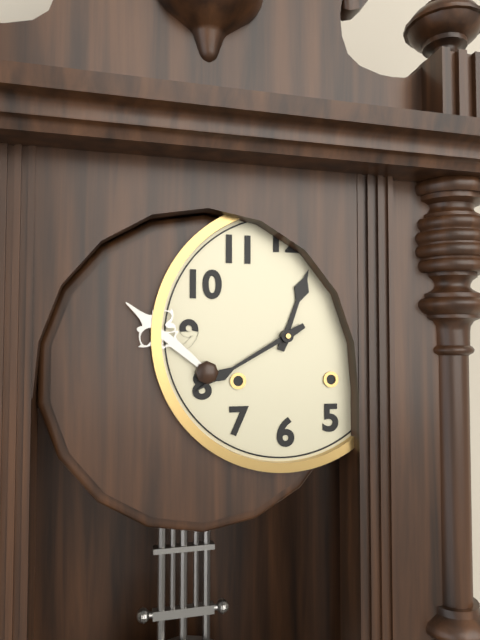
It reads 12h40
